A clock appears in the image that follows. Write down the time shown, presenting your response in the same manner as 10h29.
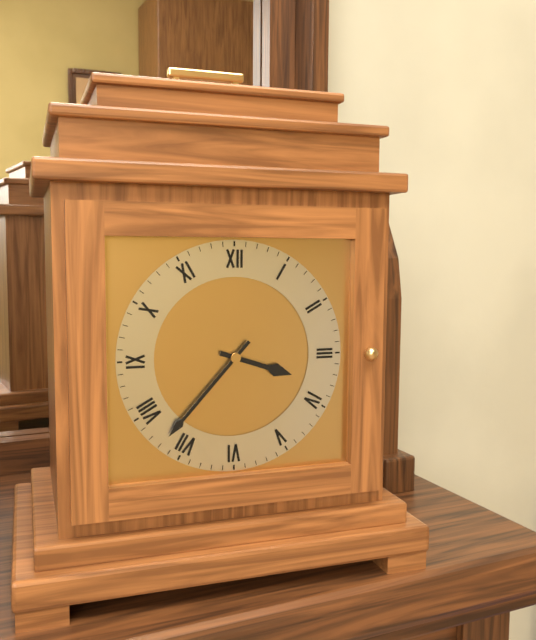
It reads 3h37
